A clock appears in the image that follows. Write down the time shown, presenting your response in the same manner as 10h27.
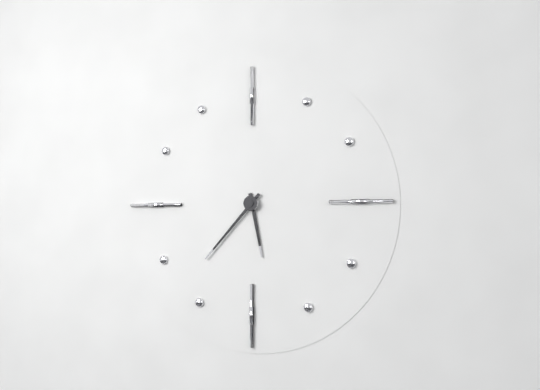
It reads 5h37
